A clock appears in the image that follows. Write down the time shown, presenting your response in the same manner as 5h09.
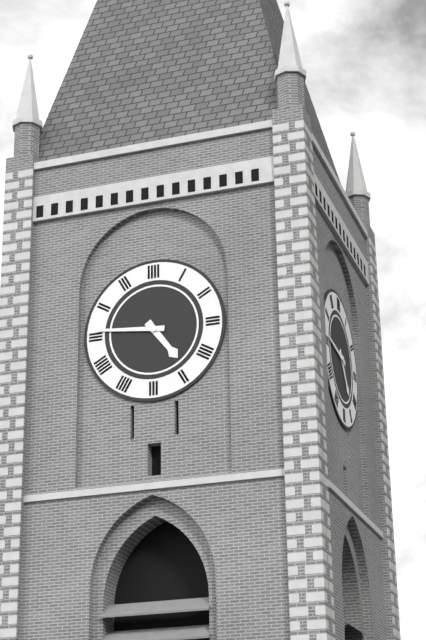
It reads 4h46
